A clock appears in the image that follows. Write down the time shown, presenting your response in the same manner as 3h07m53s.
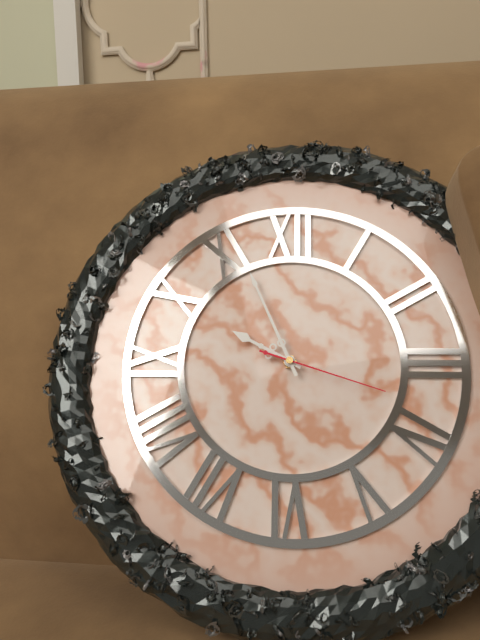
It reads 9h56m18s
